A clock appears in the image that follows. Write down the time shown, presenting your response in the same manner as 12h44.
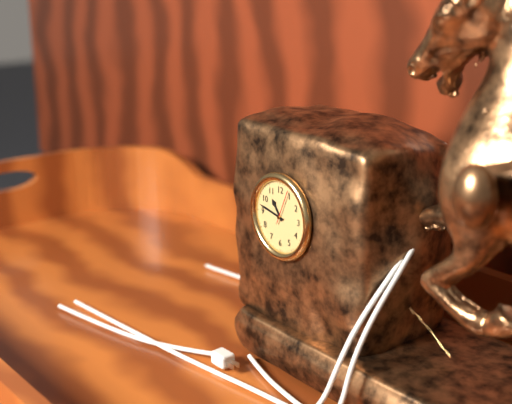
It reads 10h47
